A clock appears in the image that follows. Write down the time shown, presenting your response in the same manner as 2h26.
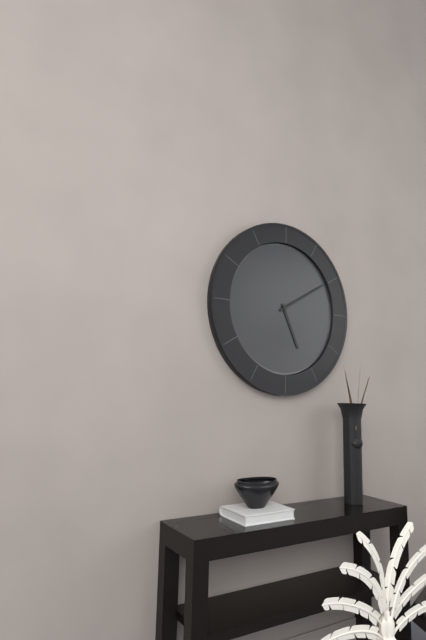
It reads 5h10
